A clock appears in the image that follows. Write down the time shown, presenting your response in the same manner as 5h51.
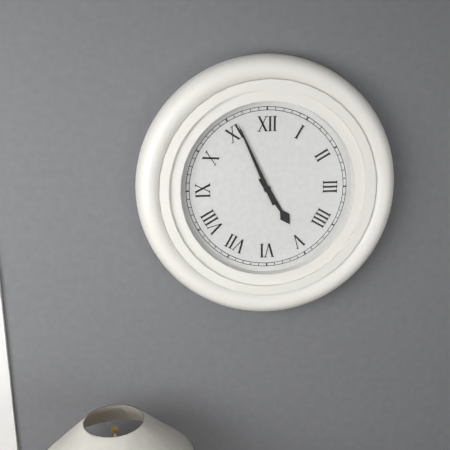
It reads 4h56
